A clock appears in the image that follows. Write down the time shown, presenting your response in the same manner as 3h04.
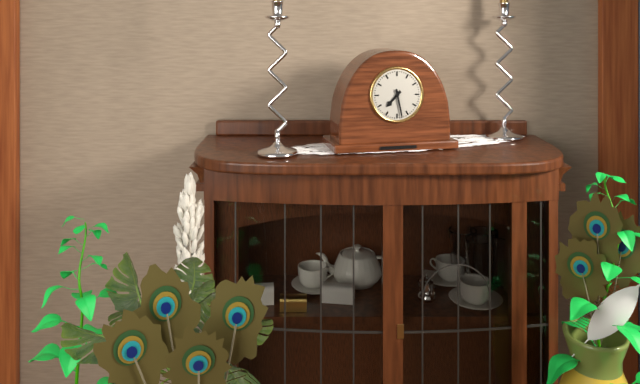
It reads 7h28
